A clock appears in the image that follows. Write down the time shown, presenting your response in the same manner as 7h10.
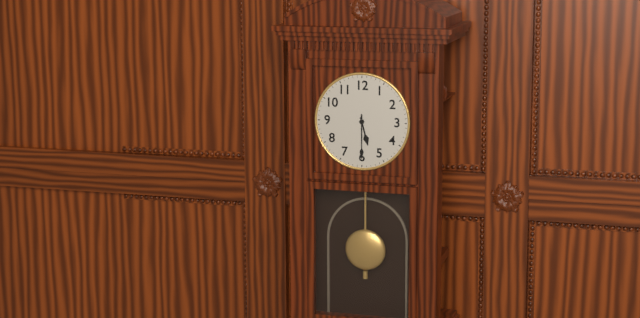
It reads 5h30
